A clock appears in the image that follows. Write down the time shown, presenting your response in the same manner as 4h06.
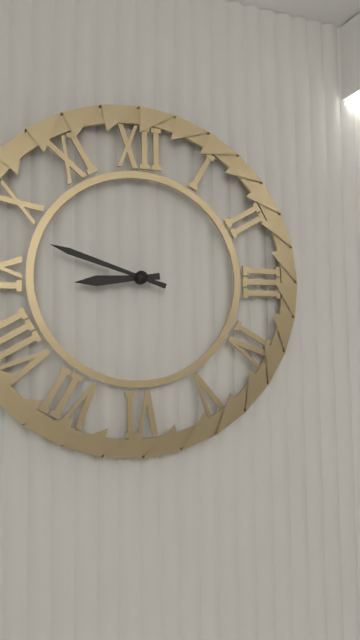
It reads 8h48
